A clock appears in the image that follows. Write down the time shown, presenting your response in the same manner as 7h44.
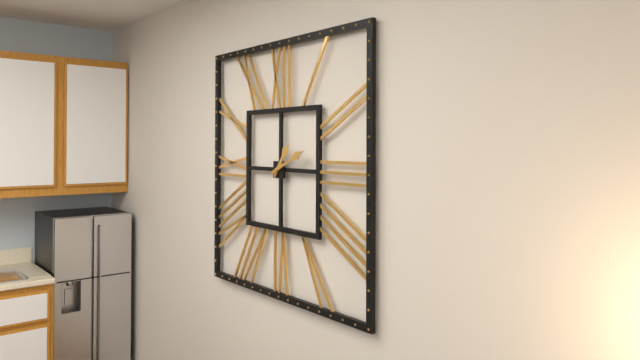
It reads 1h11
